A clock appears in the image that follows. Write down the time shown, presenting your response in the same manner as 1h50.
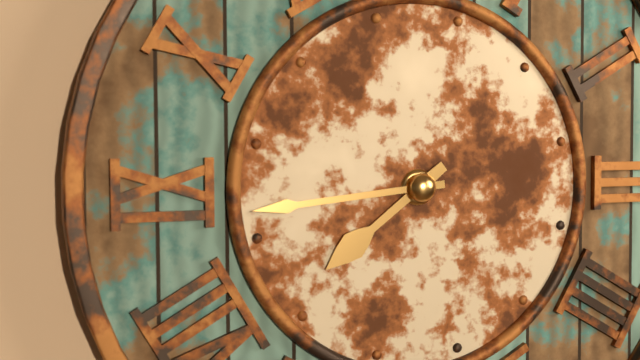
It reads 7h44
